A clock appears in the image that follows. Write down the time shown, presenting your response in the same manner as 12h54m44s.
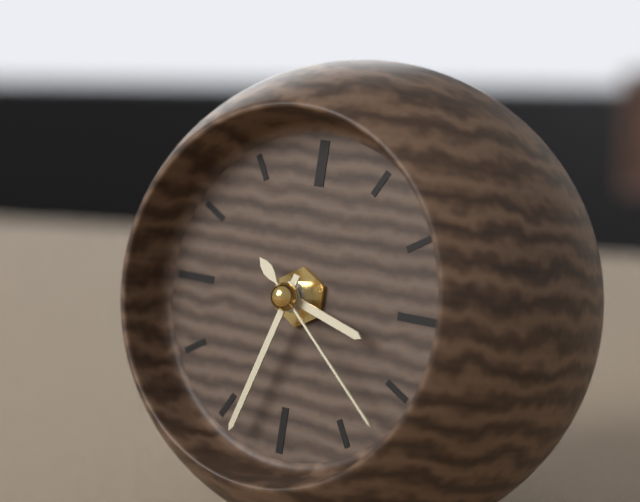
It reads 3h33m22s
